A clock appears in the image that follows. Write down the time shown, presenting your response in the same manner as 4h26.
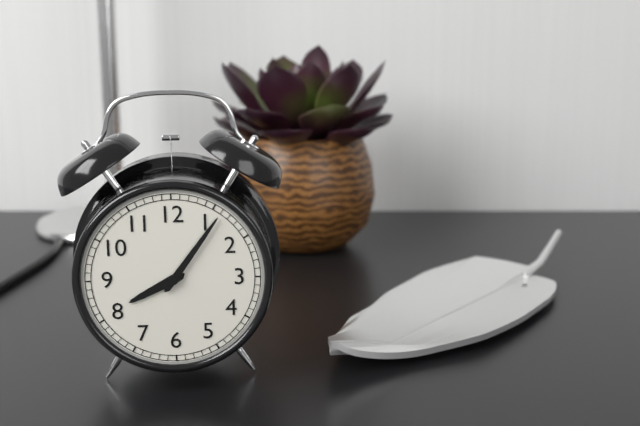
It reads 8h06
